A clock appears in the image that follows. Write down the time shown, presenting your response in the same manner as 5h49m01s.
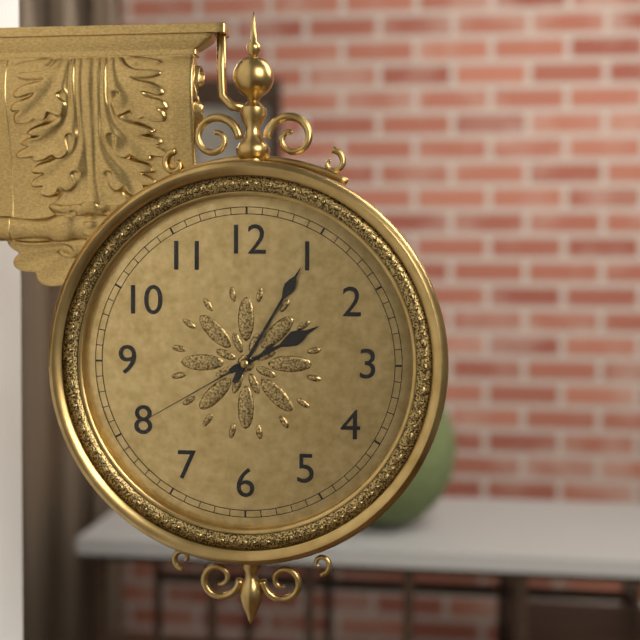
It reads 2h05m40s
